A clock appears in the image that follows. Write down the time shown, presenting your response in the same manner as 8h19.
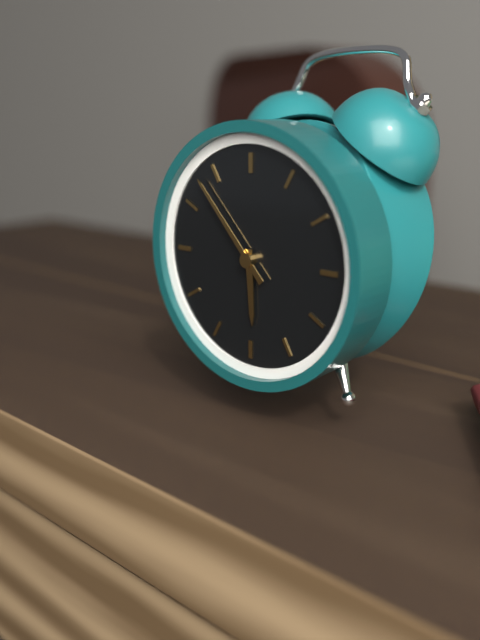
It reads 5h53
